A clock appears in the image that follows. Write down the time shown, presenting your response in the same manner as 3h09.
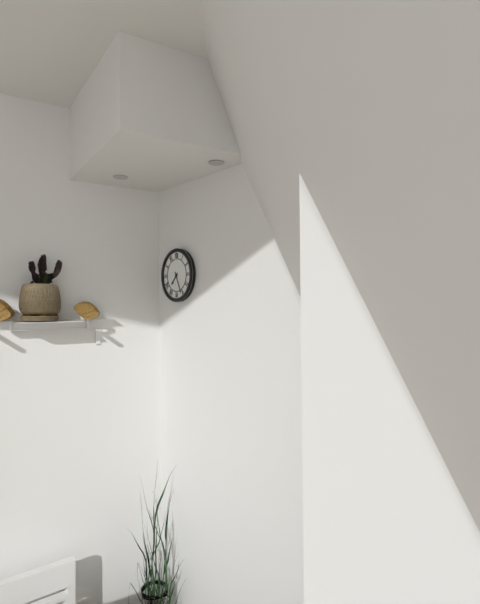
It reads 7h26
